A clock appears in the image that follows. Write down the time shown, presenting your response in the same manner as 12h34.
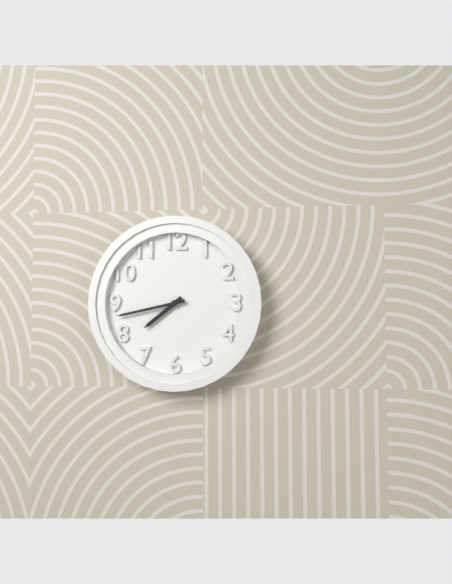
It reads 7h43
